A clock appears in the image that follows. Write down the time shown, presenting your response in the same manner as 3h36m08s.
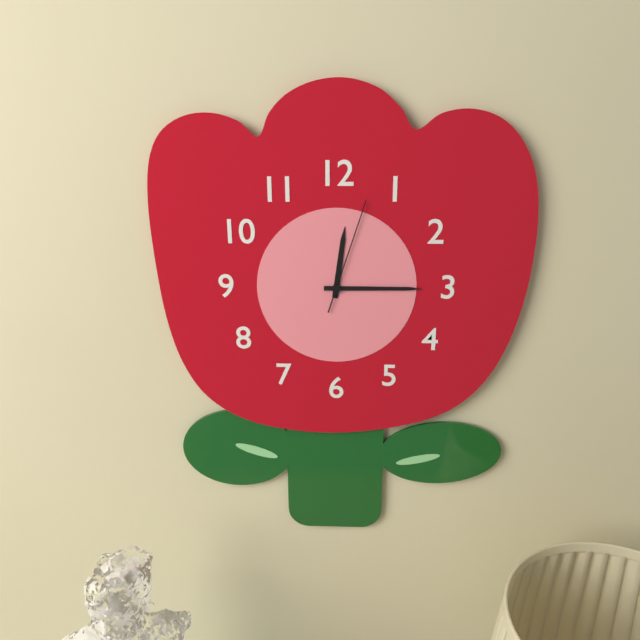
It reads 12h15m03s
